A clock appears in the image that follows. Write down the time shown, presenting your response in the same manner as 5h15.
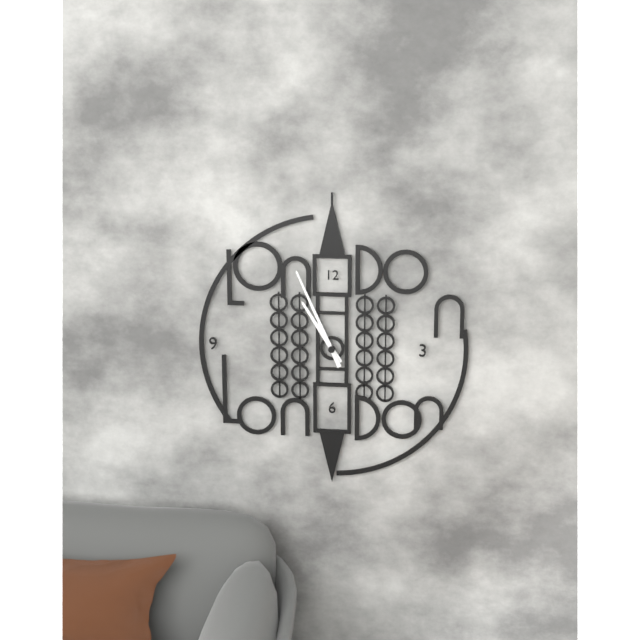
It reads 10h56
